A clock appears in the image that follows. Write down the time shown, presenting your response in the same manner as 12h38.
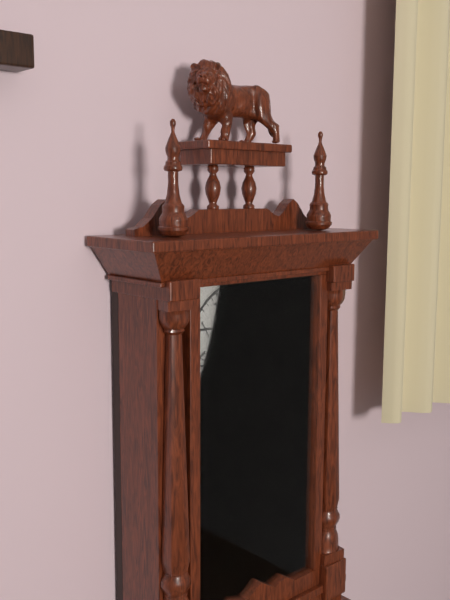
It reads 11h01
